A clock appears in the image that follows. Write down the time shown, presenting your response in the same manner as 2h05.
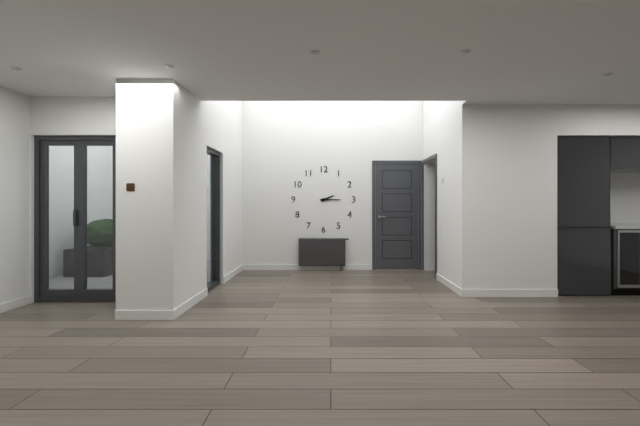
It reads 2h15
